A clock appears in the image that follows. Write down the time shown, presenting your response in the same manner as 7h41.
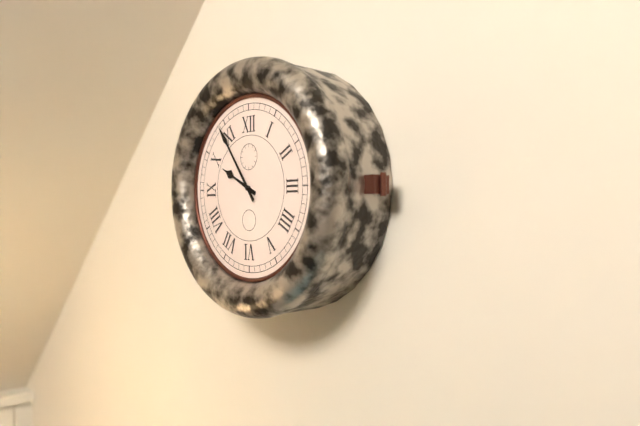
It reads 9h54
